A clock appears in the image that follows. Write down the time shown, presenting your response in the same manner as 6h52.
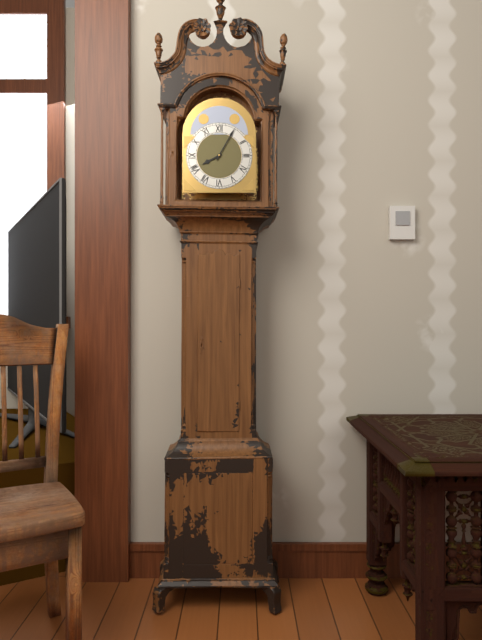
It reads 8h05
